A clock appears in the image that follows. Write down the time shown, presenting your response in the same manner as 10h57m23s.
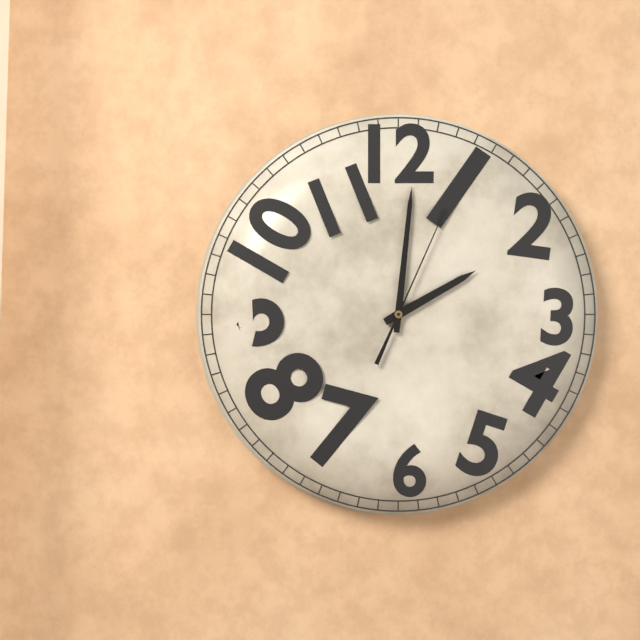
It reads 2h01m04s
